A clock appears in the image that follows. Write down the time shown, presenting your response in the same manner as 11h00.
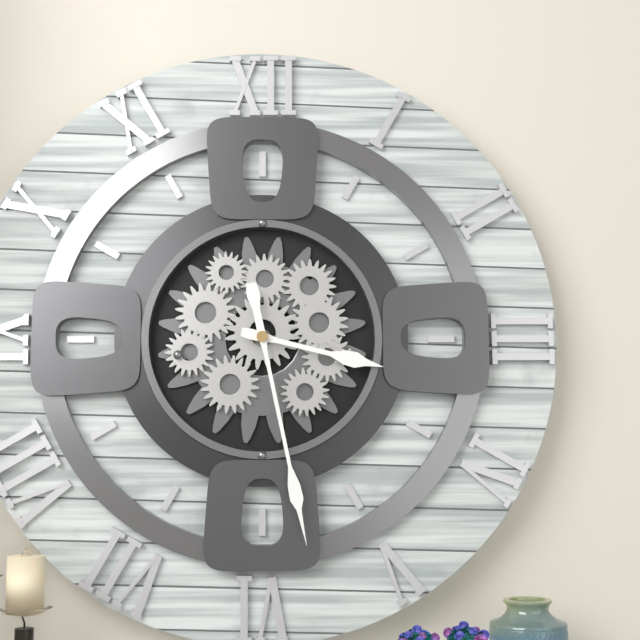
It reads 3h28
